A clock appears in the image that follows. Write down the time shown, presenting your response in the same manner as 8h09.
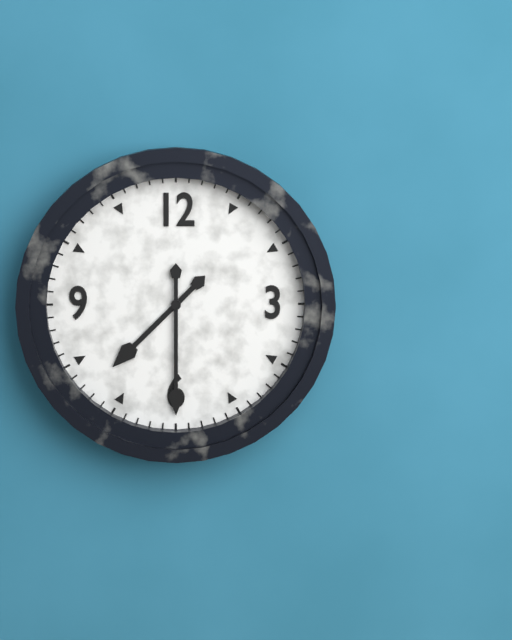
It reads 7h30
